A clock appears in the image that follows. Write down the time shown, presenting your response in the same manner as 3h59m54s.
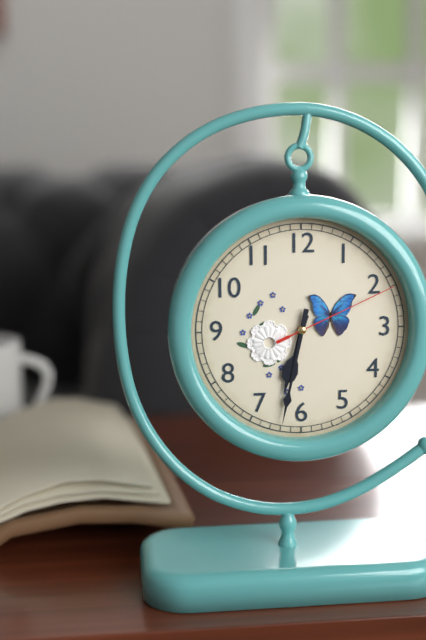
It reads 6h32m11s
